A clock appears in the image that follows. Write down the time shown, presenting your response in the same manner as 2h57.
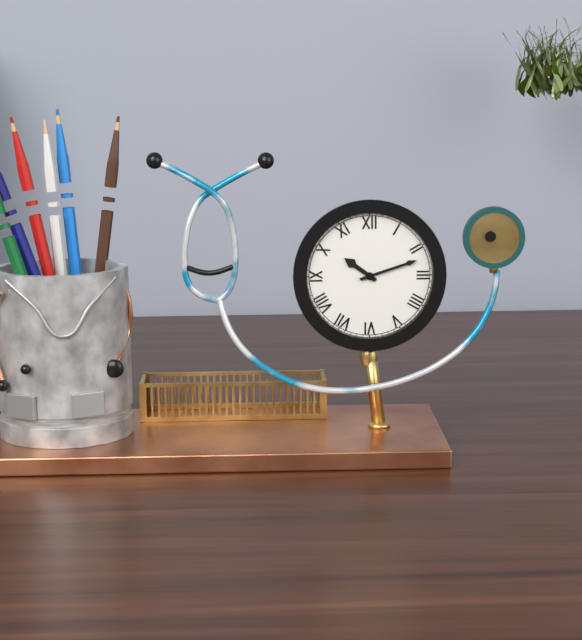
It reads 10h12
